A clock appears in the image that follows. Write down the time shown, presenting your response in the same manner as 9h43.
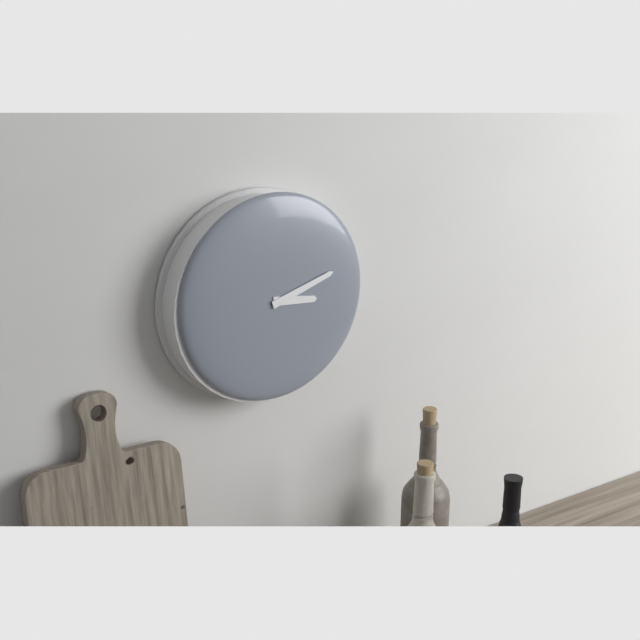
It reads 3h12
